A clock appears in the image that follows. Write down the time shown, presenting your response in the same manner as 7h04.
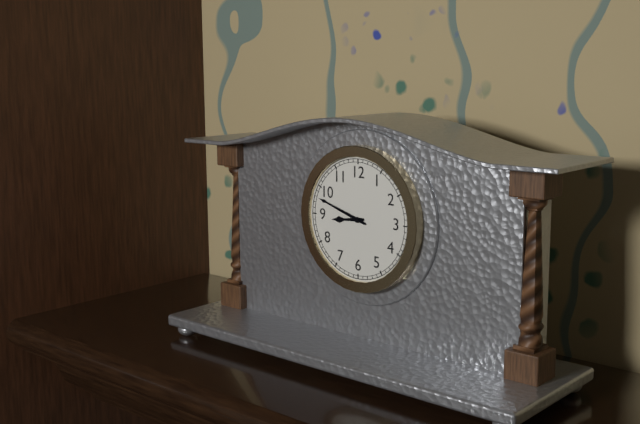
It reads 8h48
